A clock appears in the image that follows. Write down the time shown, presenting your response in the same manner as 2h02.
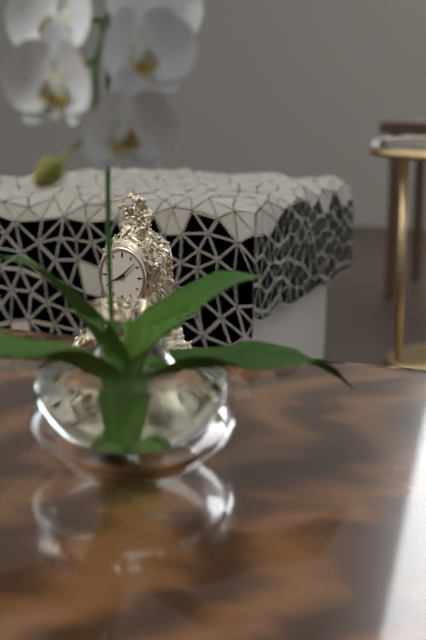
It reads 8h08
